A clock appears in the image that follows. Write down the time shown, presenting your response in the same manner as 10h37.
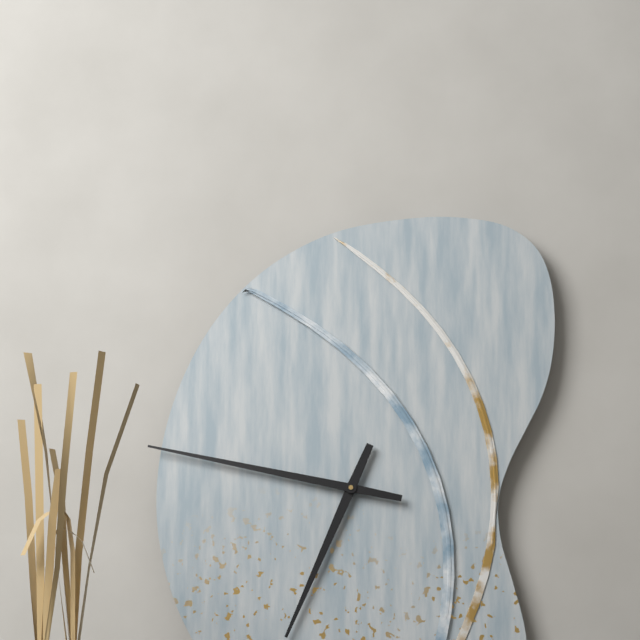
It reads 6h47
